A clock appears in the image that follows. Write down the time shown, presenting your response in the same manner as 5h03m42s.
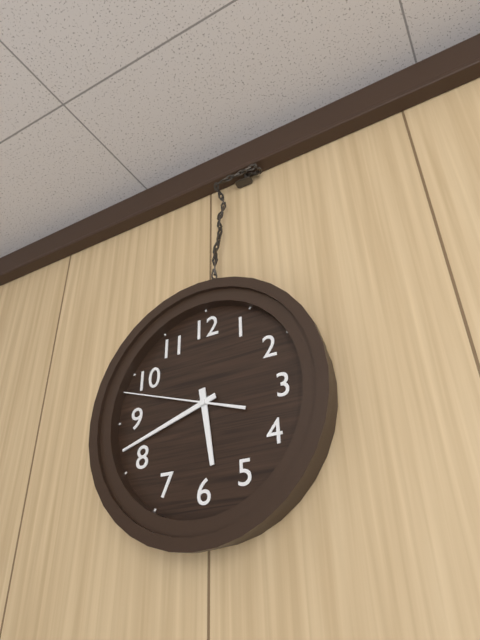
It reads 5h42m48s
